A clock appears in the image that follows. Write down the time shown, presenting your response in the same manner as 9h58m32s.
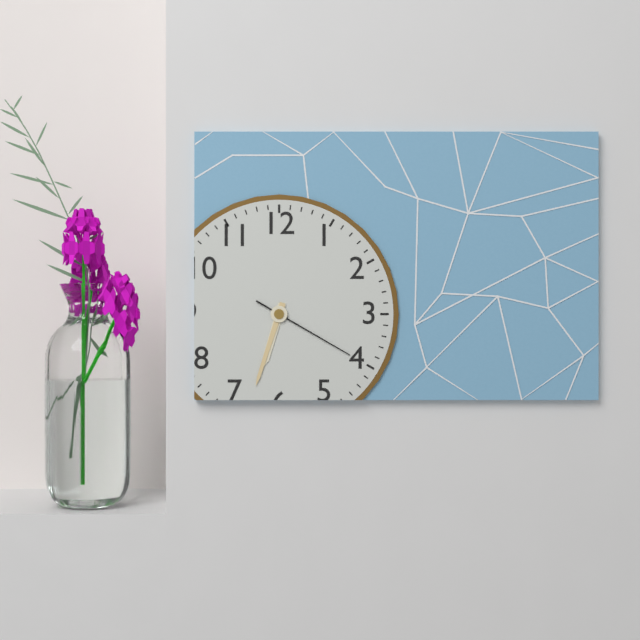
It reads 6h33m20s
